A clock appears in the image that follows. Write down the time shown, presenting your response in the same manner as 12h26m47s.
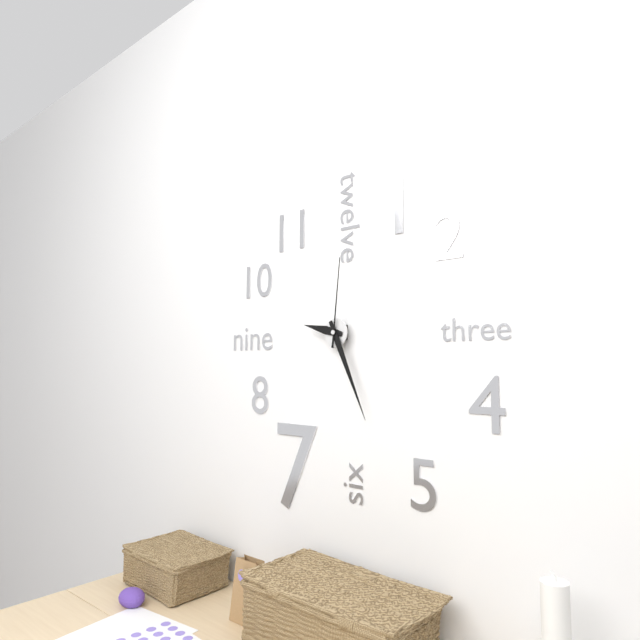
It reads 9h26m01s
